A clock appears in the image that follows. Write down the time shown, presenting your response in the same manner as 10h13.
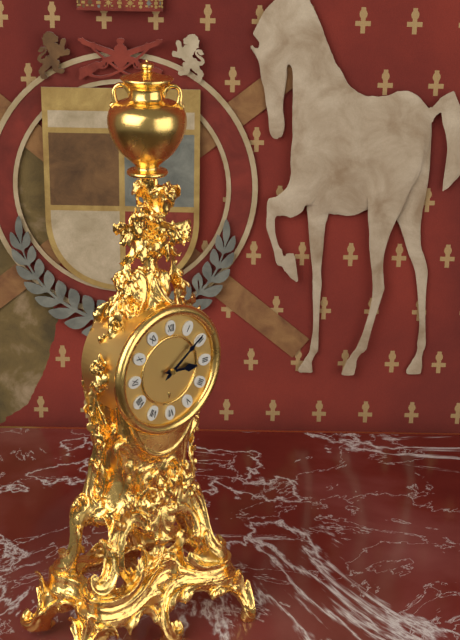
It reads 3h09
